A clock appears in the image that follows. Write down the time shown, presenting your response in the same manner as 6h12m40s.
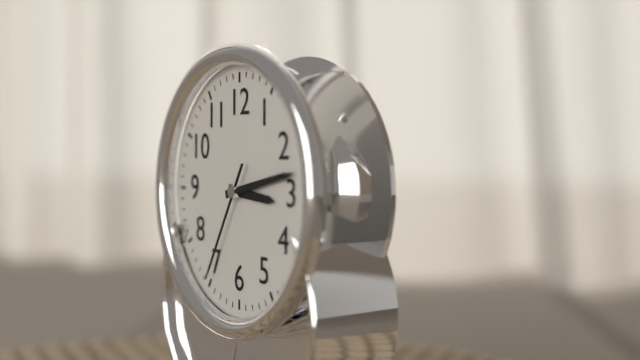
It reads 3h13m35s
